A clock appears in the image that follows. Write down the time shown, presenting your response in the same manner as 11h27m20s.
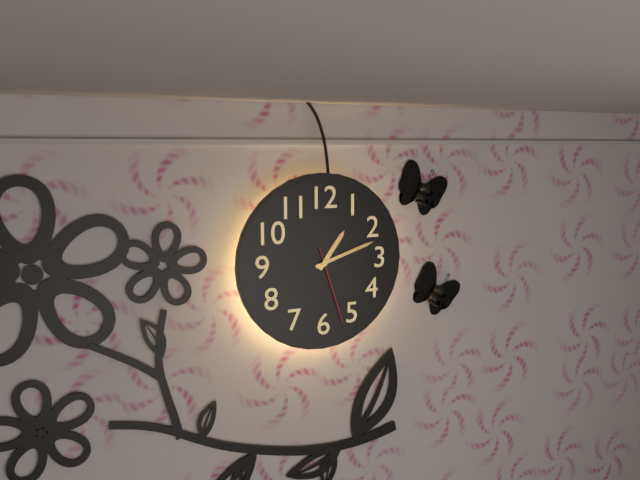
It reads 1h12m27s
